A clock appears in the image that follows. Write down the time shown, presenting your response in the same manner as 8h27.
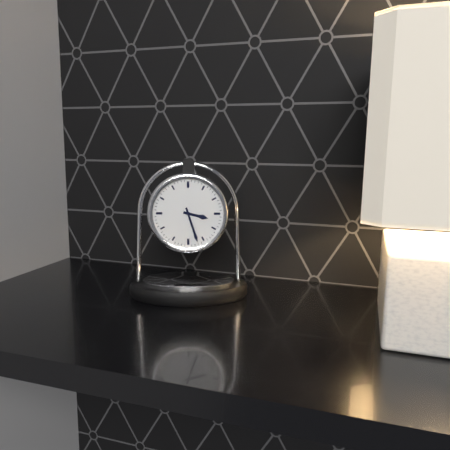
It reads 3h27
